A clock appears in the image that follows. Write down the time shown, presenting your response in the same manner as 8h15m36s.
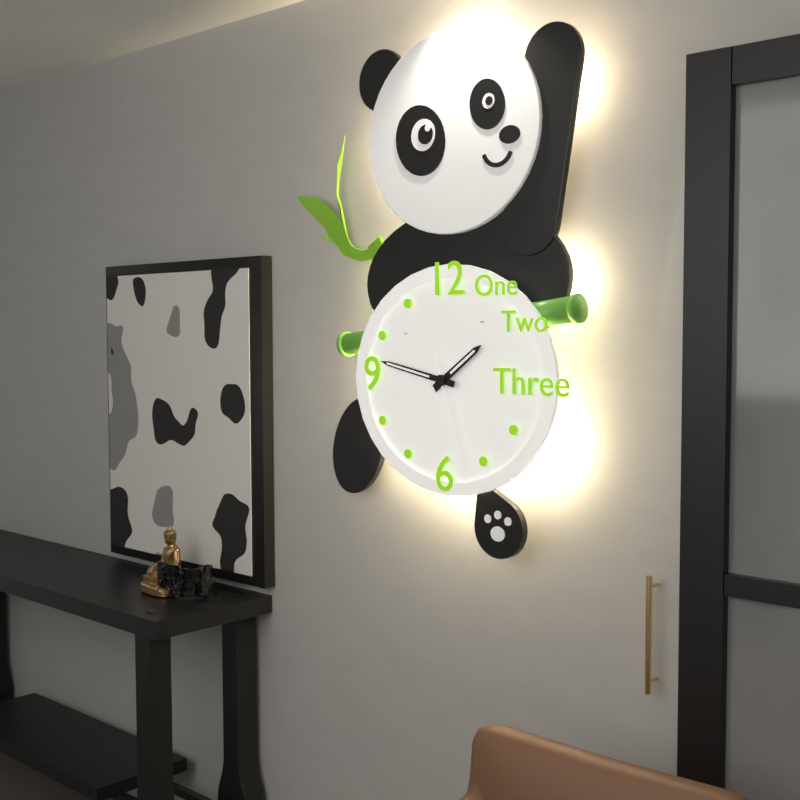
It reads 1h47m27s
